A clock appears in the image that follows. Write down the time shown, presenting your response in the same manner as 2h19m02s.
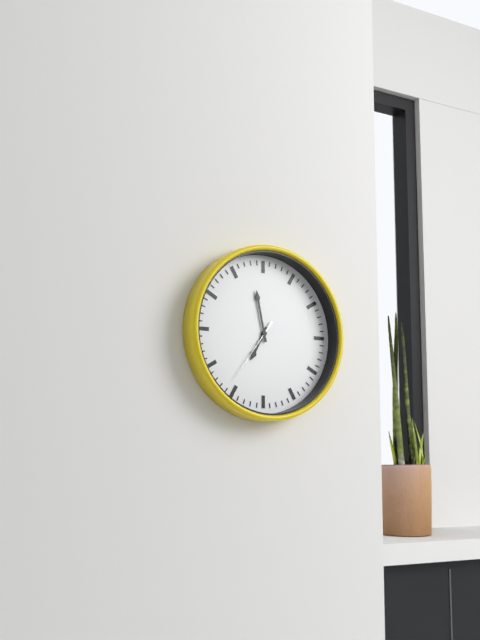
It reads 6h58m36s
